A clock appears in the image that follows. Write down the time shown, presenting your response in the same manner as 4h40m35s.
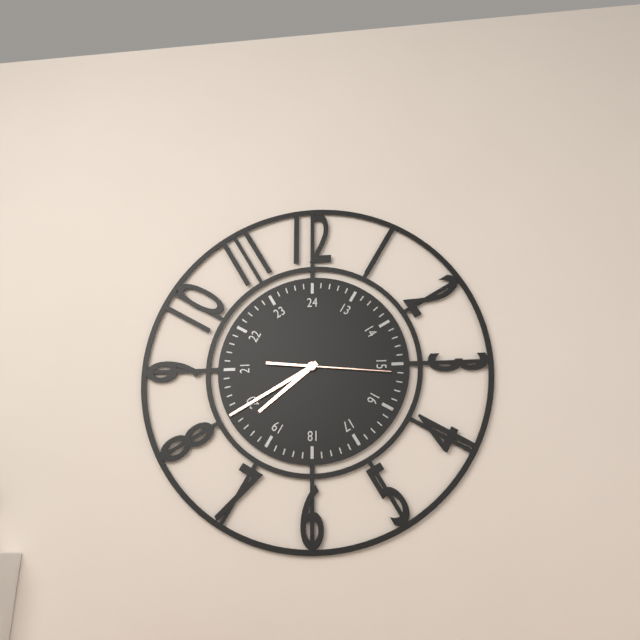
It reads 7h40m16s
